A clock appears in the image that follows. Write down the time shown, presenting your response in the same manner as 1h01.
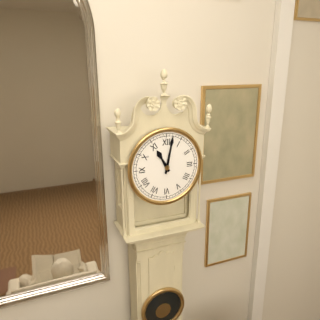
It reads 11h02
